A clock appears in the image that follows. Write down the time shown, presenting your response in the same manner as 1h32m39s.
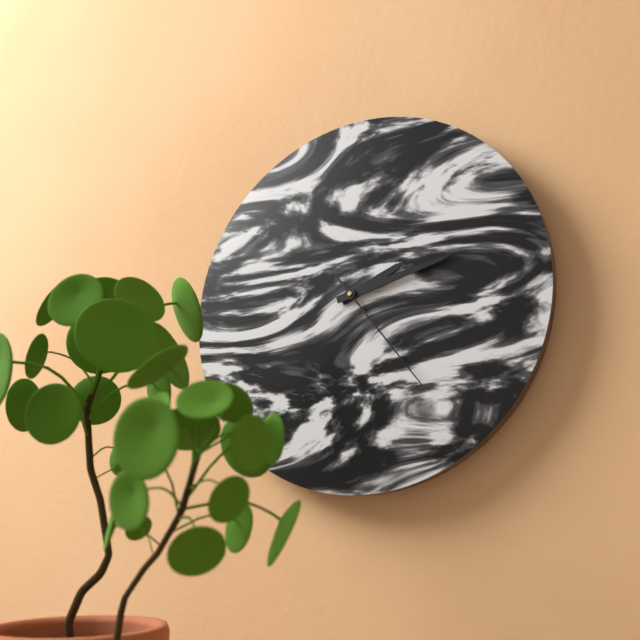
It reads 2h13m24s
